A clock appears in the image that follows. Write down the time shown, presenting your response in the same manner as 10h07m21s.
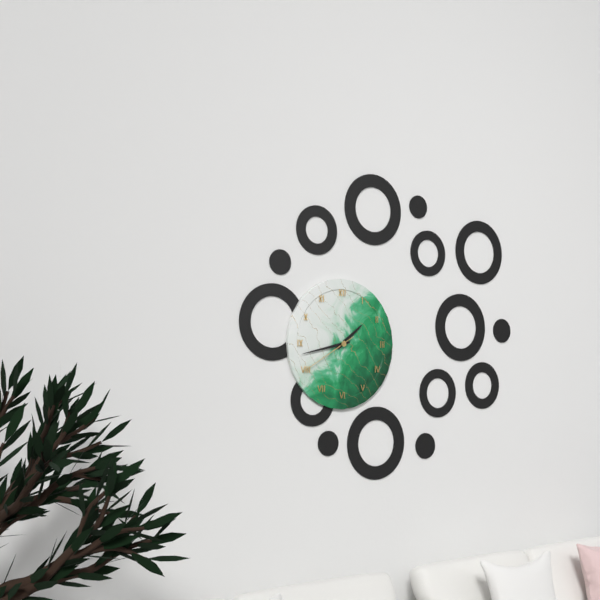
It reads 1h43m40s
